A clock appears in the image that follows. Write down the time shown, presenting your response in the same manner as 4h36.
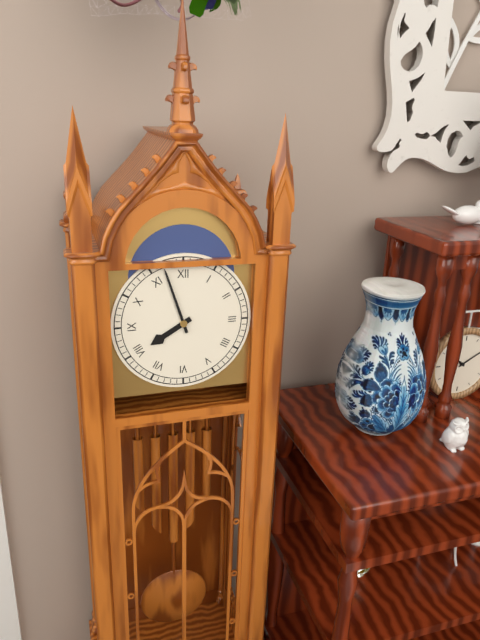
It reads 7h57
